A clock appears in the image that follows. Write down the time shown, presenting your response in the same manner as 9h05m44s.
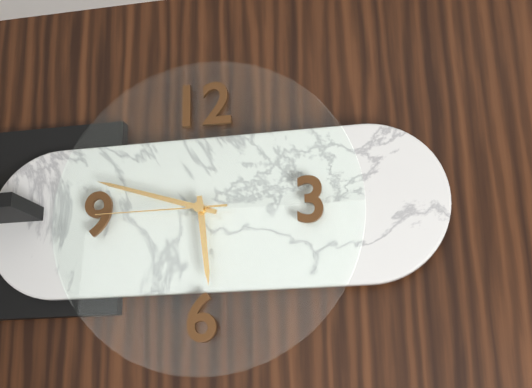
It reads 5h48m45s
